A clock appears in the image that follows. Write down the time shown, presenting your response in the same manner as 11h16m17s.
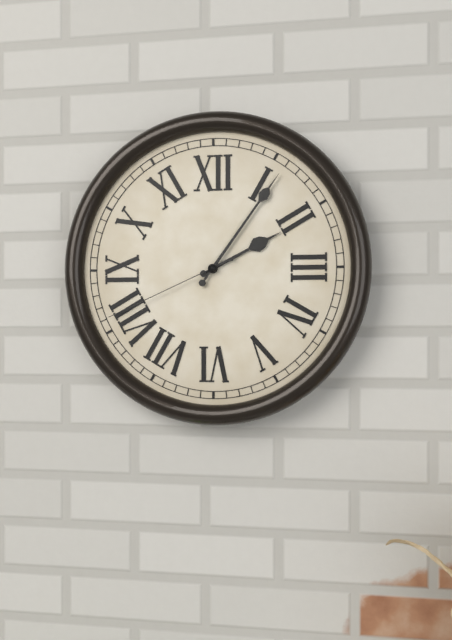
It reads 2h06m41s
